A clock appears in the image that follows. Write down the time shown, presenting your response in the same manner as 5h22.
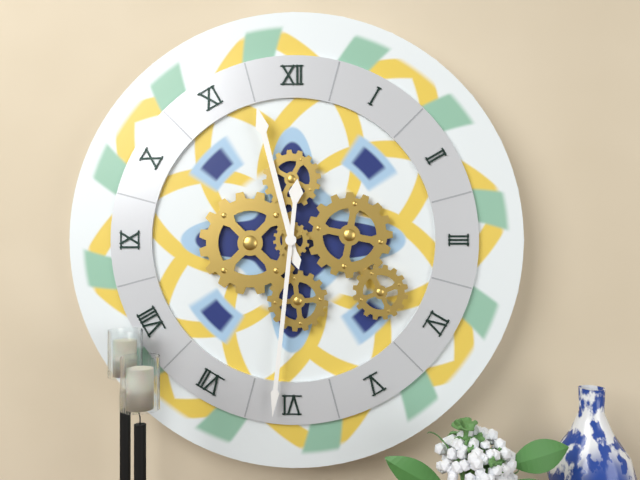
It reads 11h31
